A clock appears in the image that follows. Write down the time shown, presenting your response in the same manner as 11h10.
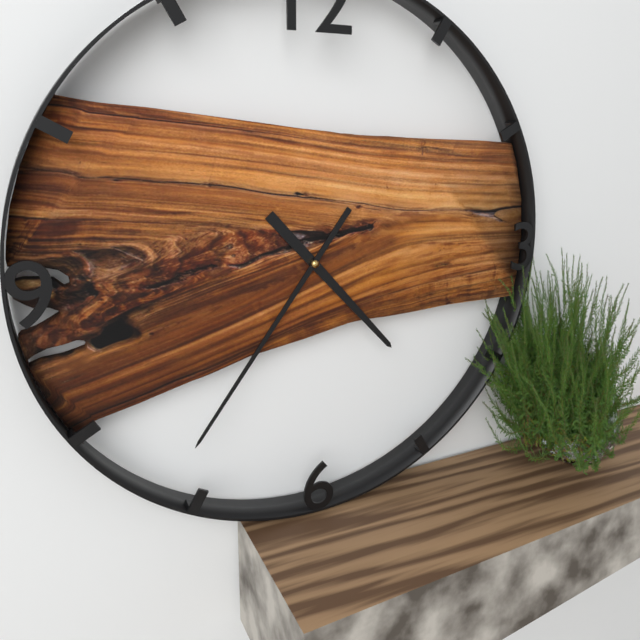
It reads 4h36
